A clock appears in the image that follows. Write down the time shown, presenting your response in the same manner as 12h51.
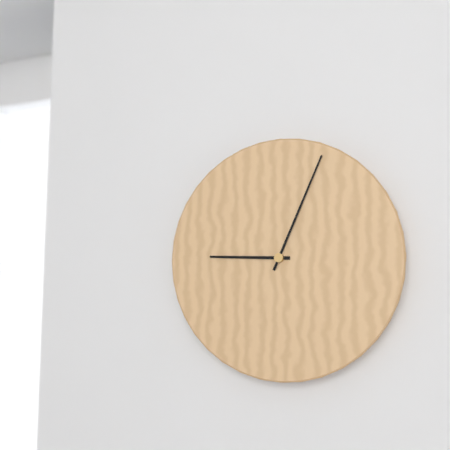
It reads 9h04
